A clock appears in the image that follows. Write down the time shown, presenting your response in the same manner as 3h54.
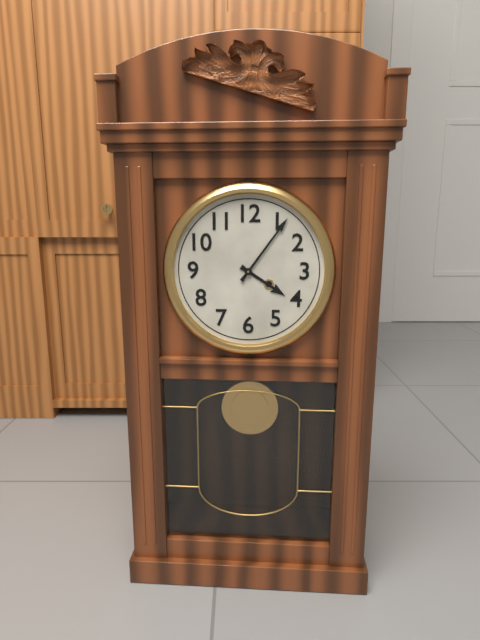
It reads 4h06
